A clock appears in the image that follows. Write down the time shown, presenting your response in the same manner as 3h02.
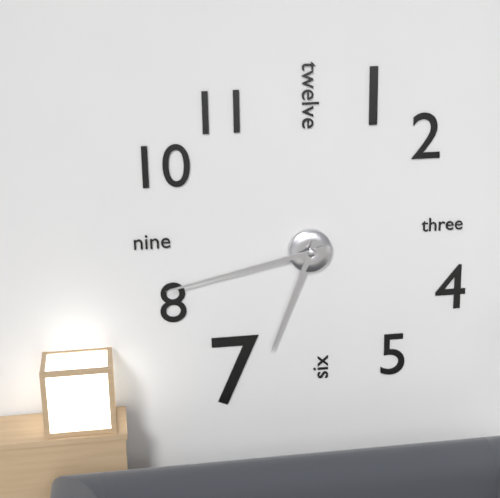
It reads 6h43
